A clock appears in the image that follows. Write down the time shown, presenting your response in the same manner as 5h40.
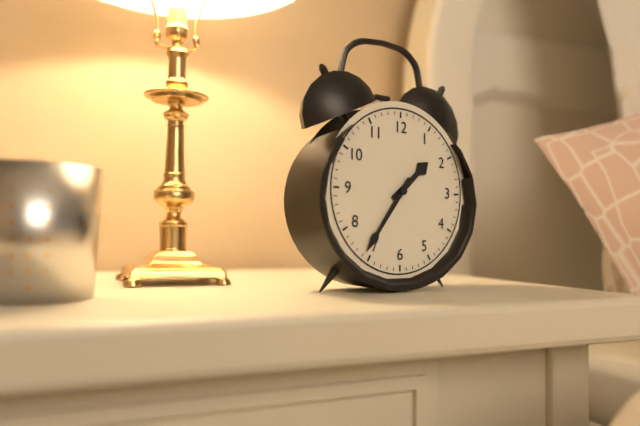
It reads 1h36
